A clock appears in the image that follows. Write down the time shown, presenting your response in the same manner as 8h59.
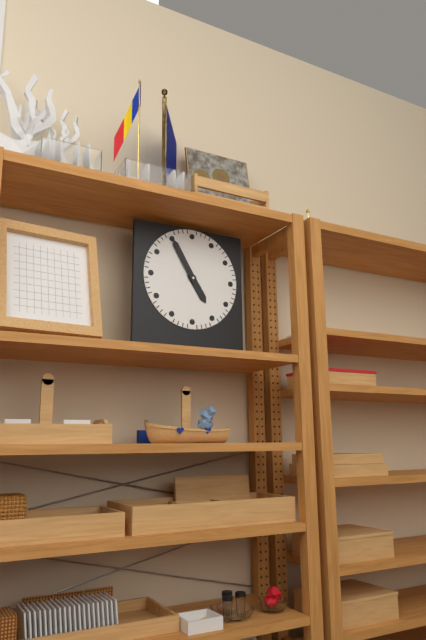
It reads 4h55
